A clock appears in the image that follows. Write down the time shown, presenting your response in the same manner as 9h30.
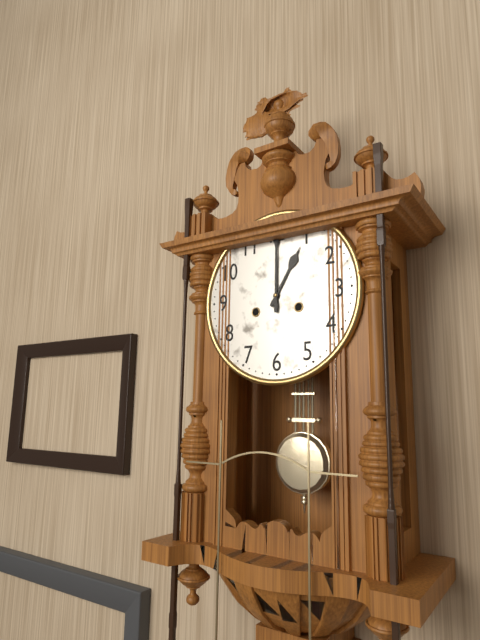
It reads 1h00
